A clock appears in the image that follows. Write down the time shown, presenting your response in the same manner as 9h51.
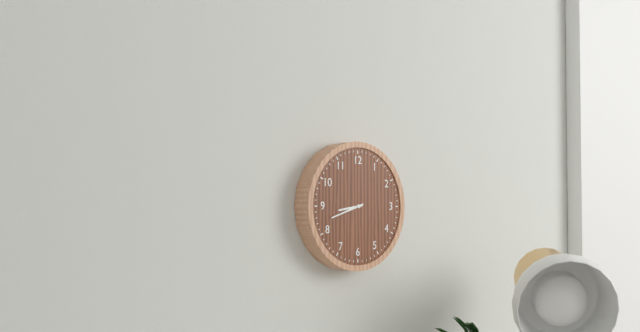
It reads 8h42
